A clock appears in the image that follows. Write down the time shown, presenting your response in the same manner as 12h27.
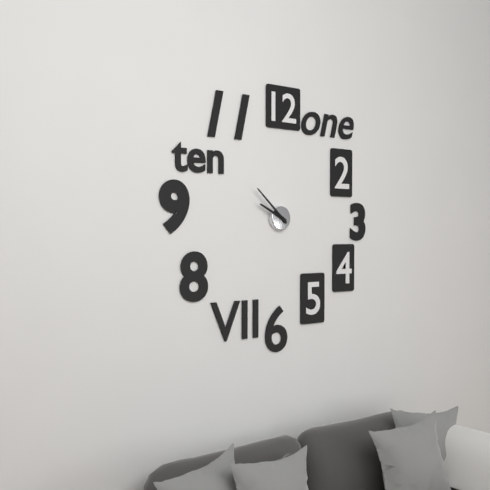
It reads 9h52
